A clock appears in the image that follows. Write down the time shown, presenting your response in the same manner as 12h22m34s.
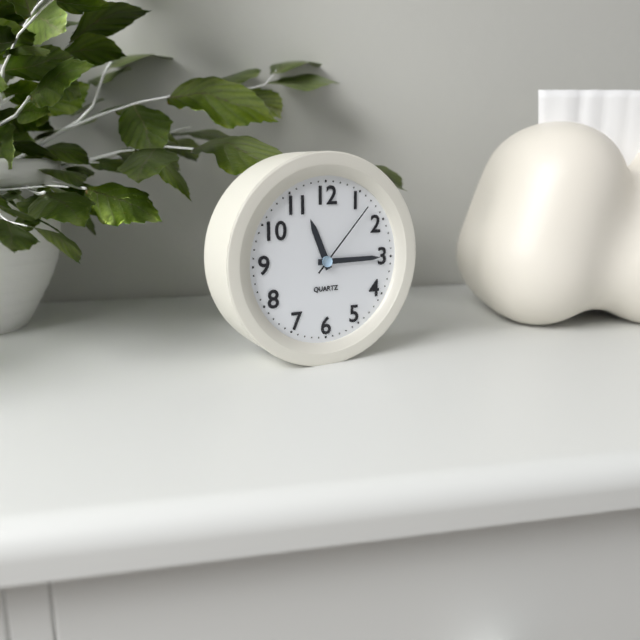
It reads 11h15m07s
